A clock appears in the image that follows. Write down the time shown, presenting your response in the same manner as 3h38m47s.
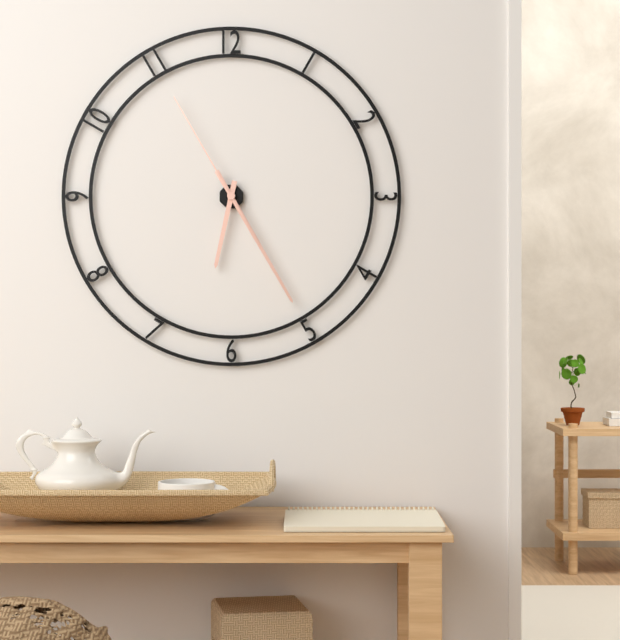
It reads 6h25m55s
